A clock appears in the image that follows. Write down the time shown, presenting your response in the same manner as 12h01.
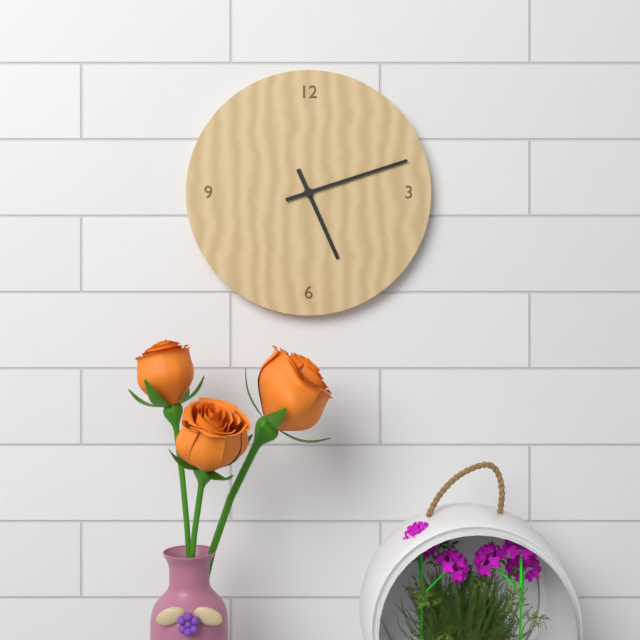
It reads 5h12
